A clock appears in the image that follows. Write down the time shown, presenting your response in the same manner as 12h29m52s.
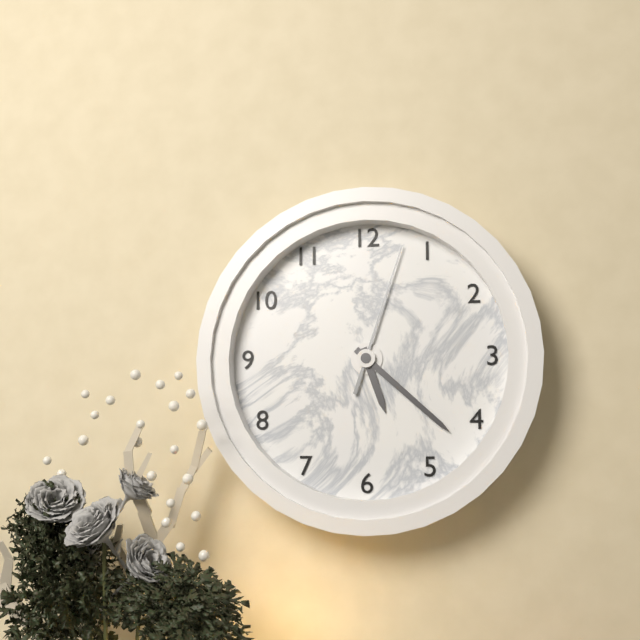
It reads 5h22m03s
